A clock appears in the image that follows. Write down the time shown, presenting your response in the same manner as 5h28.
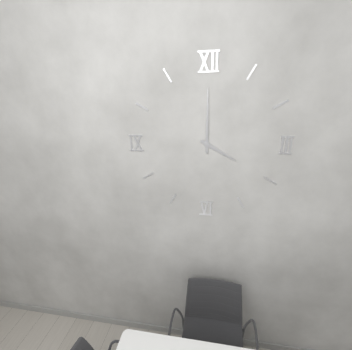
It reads 4h00
